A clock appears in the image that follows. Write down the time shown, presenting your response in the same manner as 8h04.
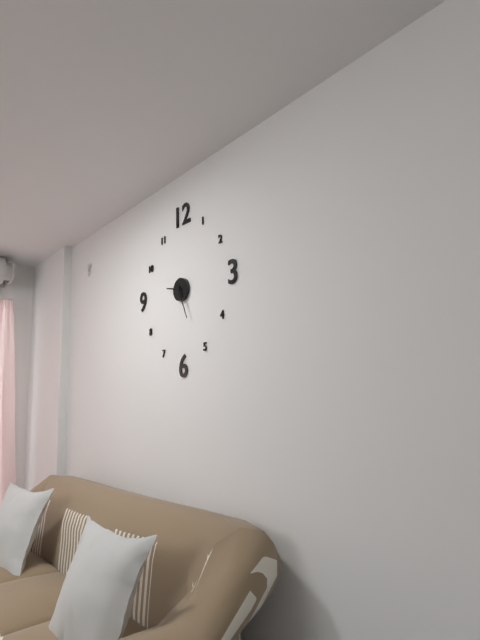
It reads 9h26
